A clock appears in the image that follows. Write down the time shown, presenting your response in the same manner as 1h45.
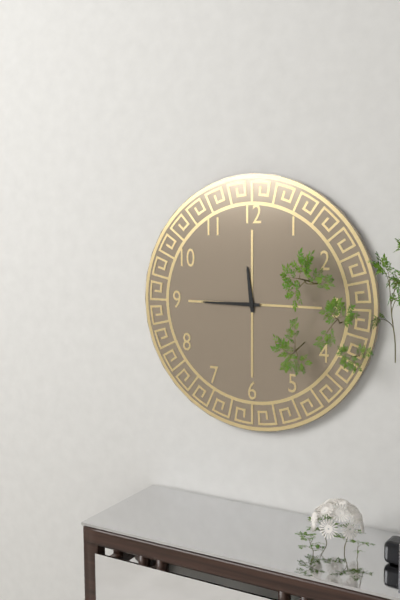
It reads 11h45
